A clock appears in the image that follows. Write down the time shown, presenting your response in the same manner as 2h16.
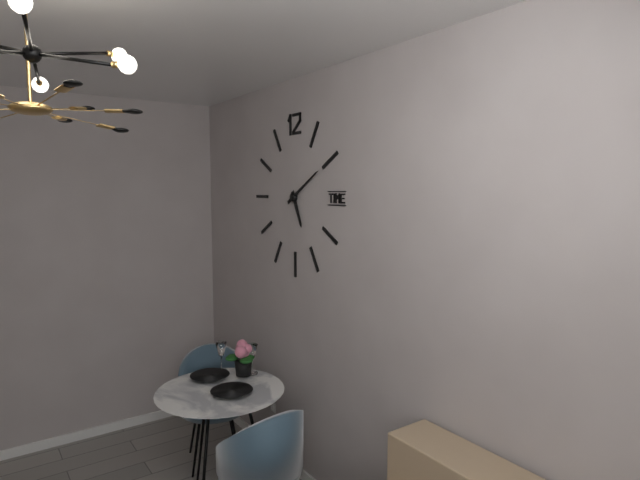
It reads 5h10
